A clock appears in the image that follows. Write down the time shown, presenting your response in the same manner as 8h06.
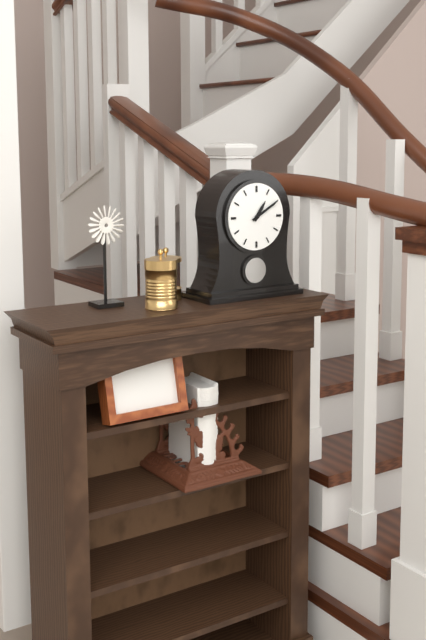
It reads 1h10
